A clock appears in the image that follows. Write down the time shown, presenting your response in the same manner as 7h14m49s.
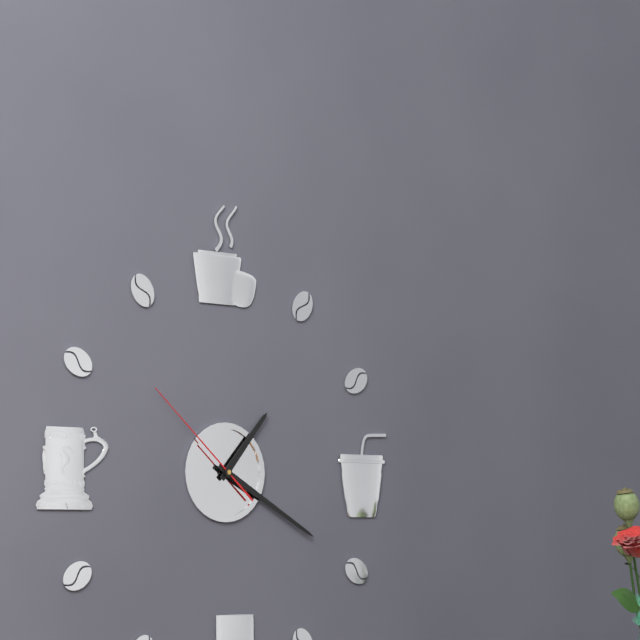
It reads 1h20m52s
